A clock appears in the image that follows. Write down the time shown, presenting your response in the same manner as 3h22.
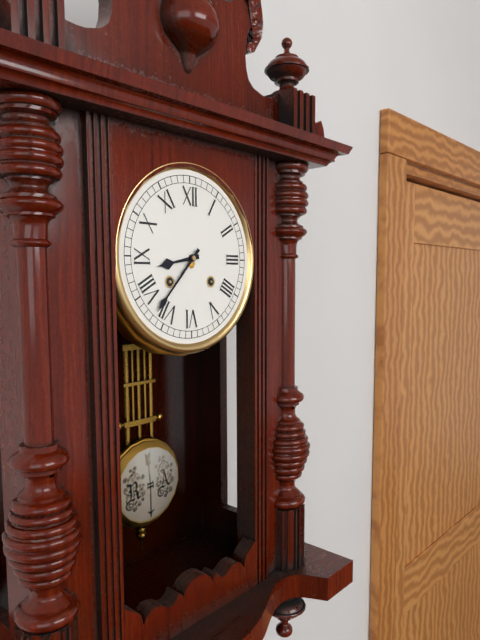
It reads 8h37
